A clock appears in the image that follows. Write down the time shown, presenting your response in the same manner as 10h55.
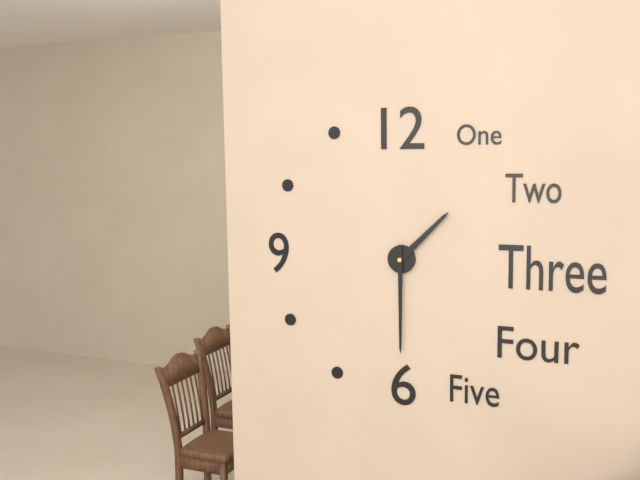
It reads 1h30
